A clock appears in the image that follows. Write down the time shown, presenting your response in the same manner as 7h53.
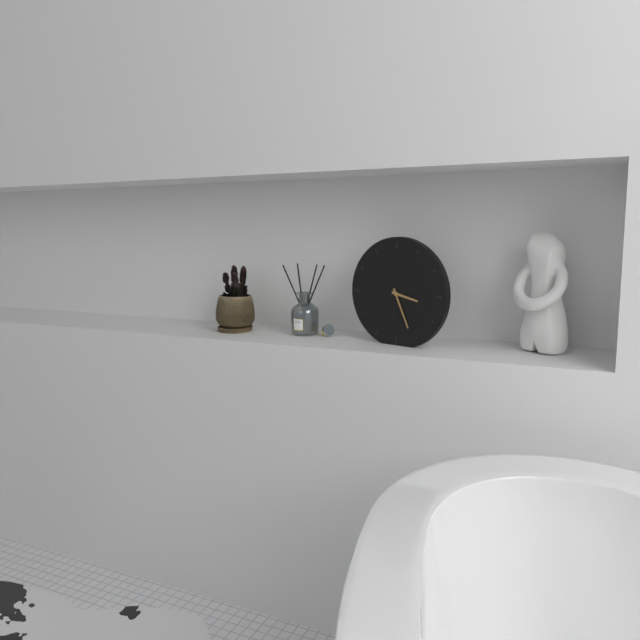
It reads 3h26
